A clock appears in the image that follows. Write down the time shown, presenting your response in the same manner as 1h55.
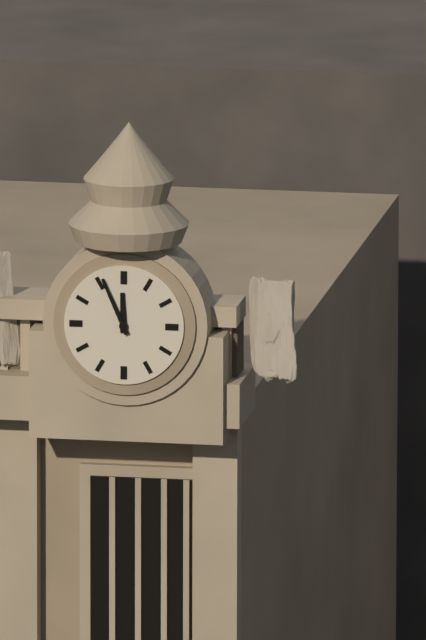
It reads 11h56
